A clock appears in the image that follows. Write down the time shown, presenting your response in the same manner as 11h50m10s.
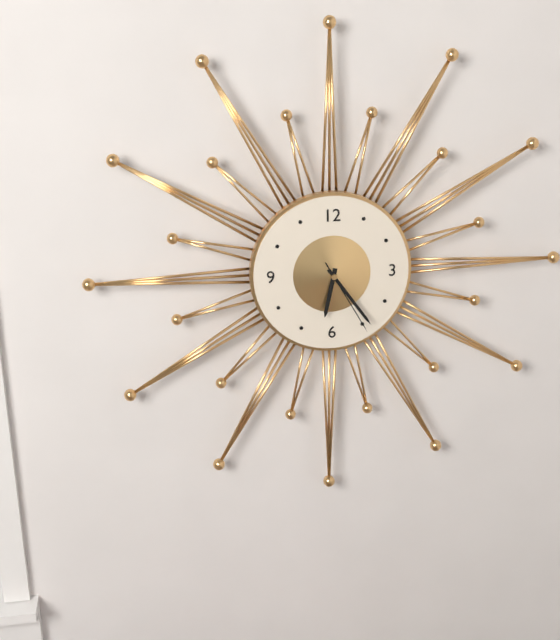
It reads 6h24m25s
